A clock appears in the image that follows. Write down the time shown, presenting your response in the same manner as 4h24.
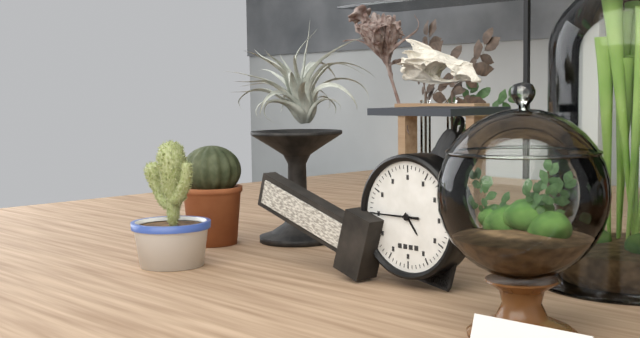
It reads 4h45
